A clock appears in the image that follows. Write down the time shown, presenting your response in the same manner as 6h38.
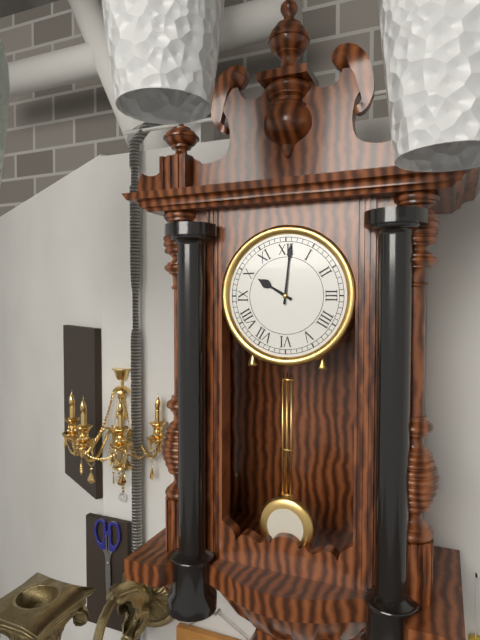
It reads 10h01
